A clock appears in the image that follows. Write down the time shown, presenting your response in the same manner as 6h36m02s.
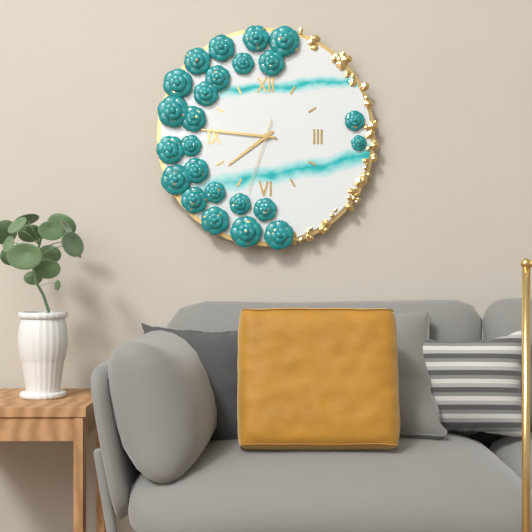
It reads 7h46m33s
